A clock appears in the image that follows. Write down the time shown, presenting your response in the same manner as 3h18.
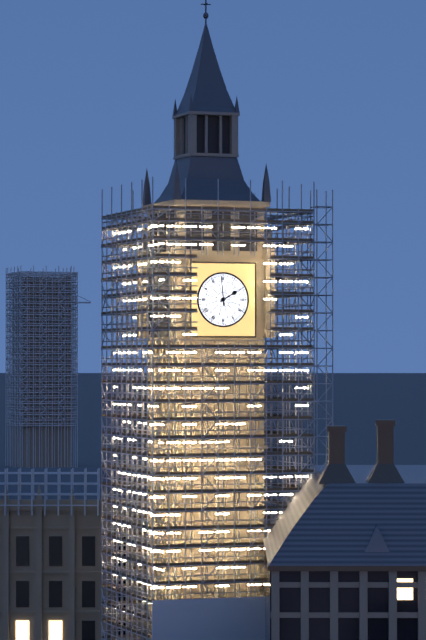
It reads 1h59
